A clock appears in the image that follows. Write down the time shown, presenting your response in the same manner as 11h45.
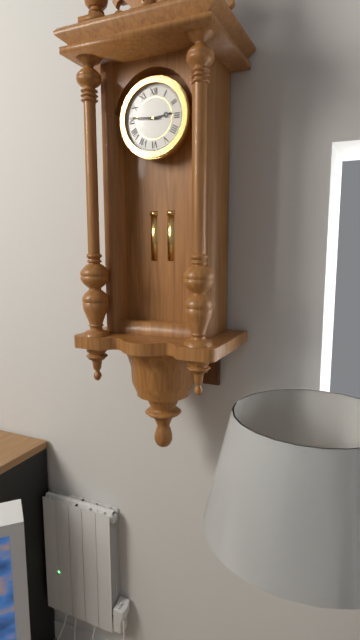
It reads 2h46
